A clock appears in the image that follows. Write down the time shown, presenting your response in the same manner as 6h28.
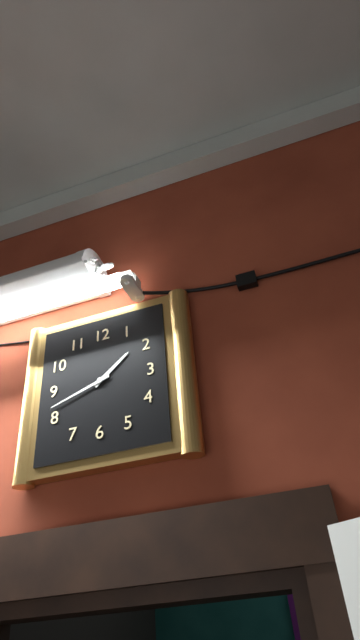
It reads 1h42
